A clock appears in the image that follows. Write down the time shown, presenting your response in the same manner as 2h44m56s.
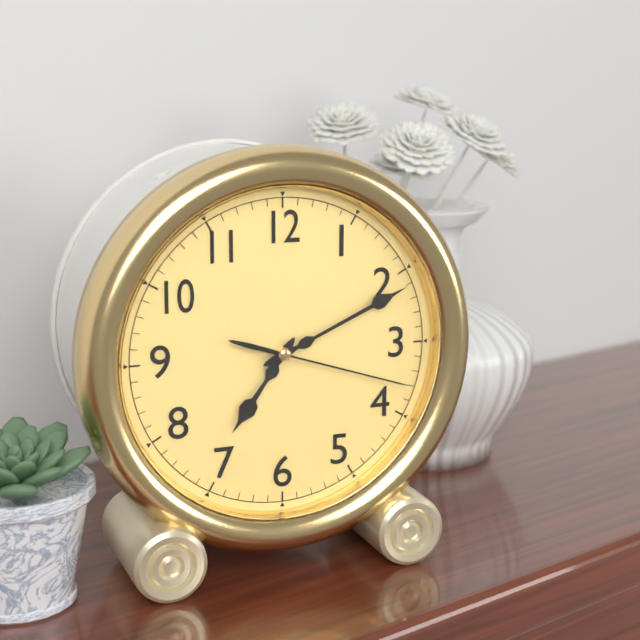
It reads 7h11m18s
